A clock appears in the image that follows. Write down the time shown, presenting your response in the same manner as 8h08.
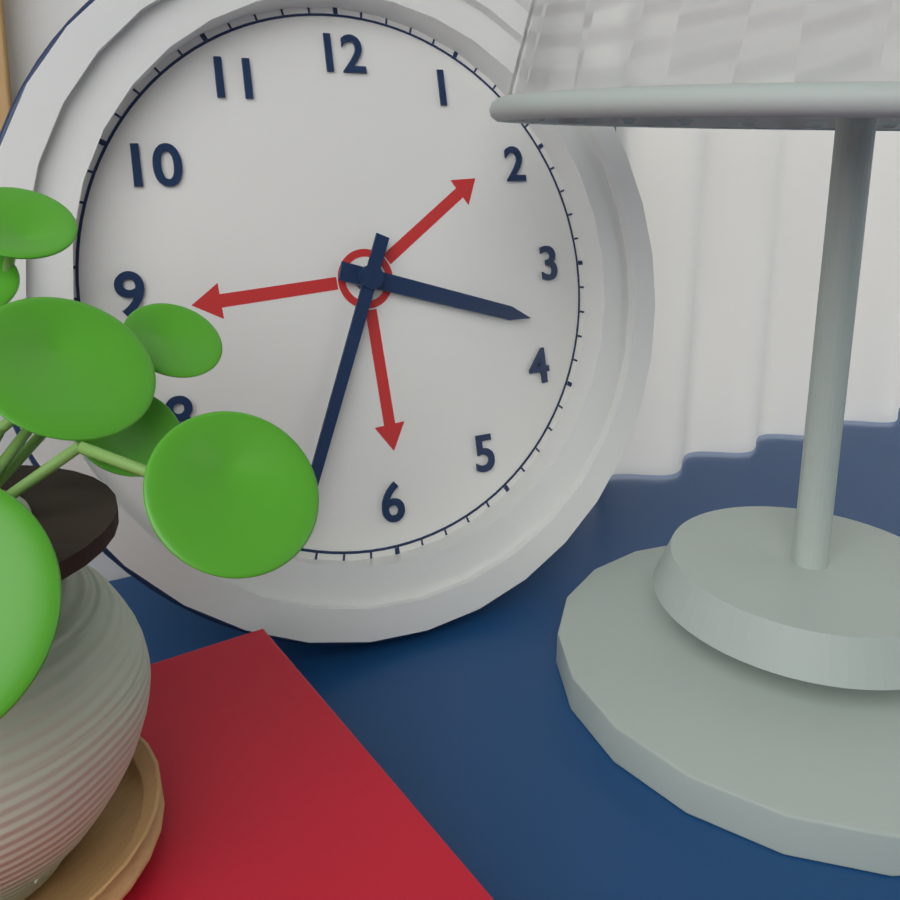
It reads 3h34
